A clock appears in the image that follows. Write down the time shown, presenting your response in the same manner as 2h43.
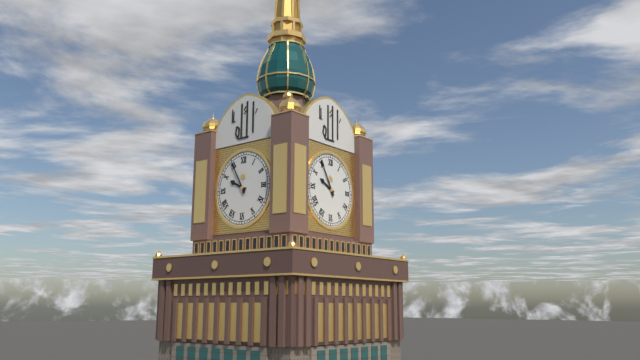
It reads 9h55
